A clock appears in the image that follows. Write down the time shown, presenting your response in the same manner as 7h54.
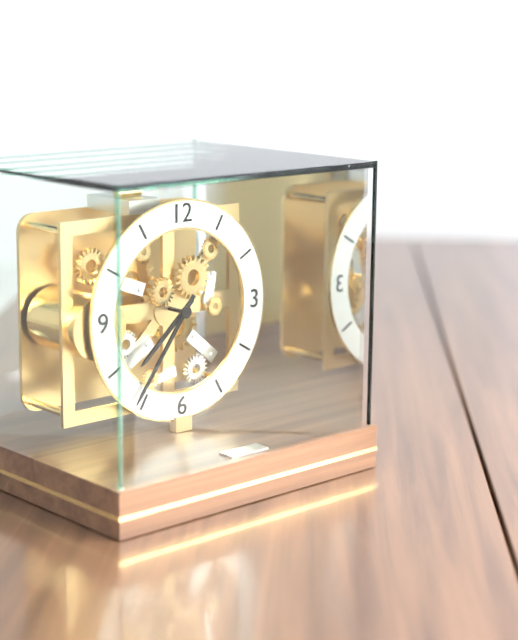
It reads 7h36
